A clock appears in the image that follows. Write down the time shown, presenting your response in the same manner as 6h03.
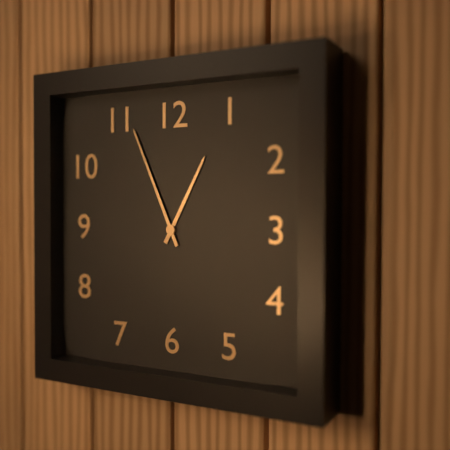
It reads 12h56
